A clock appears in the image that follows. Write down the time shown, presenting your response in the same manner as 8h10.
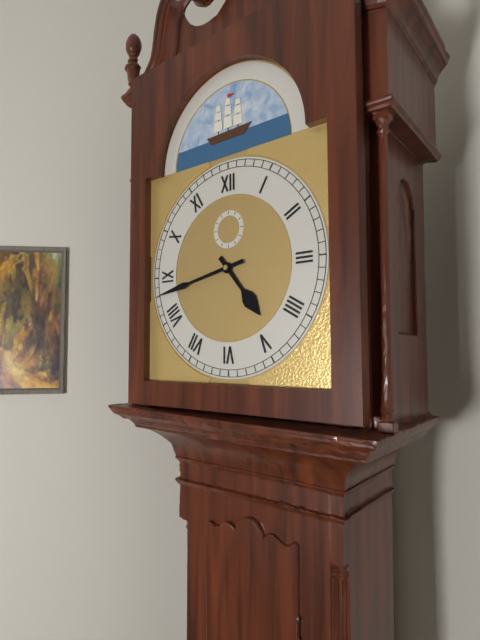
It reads 4h43
